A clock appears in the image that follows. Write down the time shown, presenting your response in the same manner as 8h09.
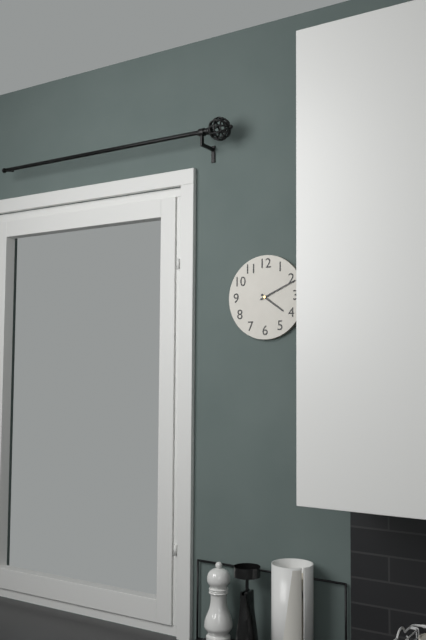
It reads 4h11
